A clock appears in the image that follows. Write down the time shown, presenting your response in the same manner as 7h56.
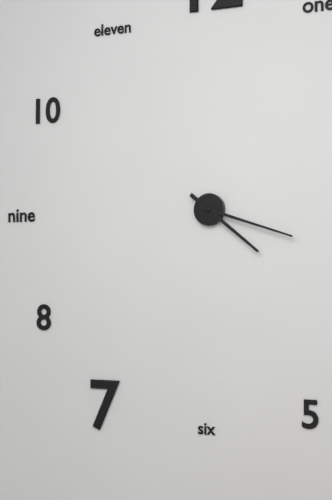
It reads 4h18
